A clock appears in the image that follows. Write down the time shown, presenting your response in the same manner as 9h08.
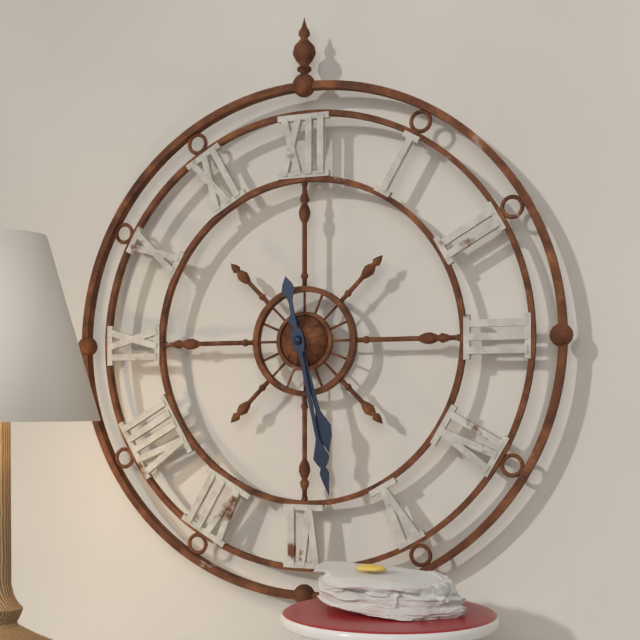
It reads 5h28
